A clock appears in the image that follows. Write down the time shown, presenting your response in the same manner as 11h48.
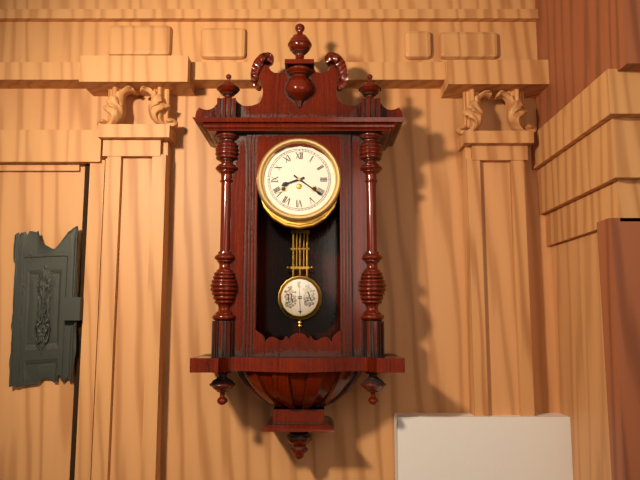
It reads 8h21
